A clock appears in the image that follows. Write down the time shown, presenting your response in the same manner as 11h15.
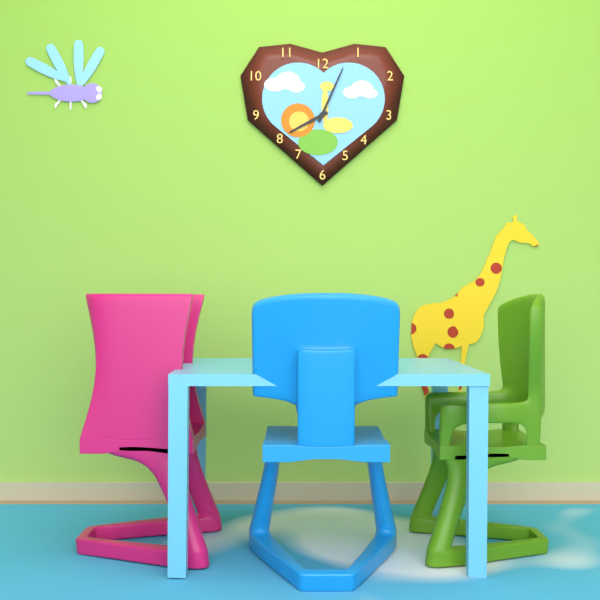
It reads 8h04
